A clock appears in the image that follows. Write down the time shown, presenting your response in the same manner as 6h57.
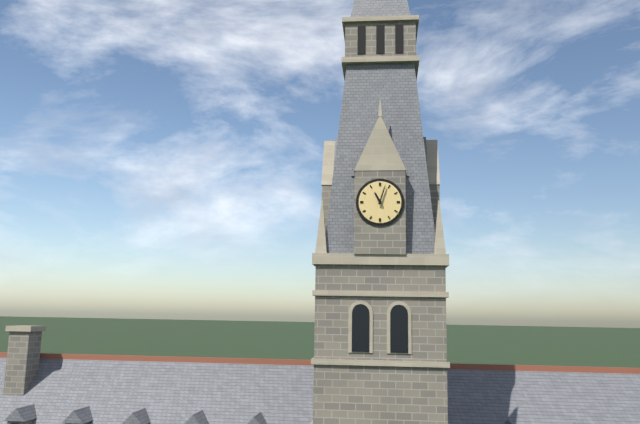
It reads 11h03
